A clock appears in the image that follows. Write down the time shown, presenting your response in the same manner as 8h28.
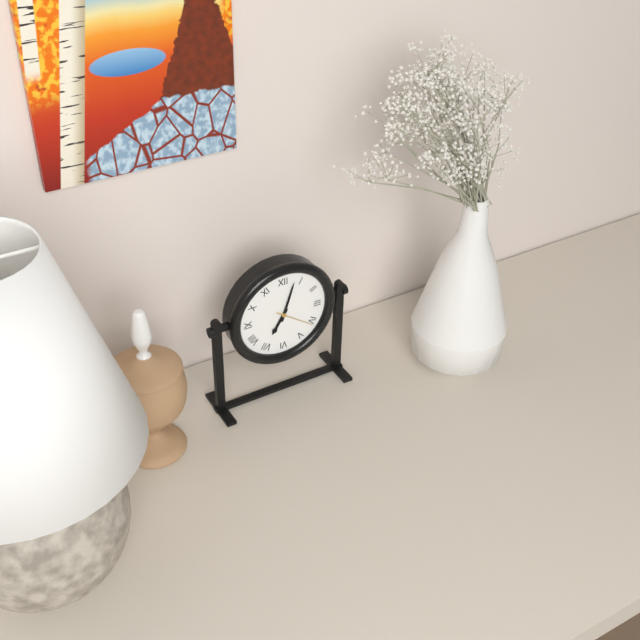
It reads 7h03
